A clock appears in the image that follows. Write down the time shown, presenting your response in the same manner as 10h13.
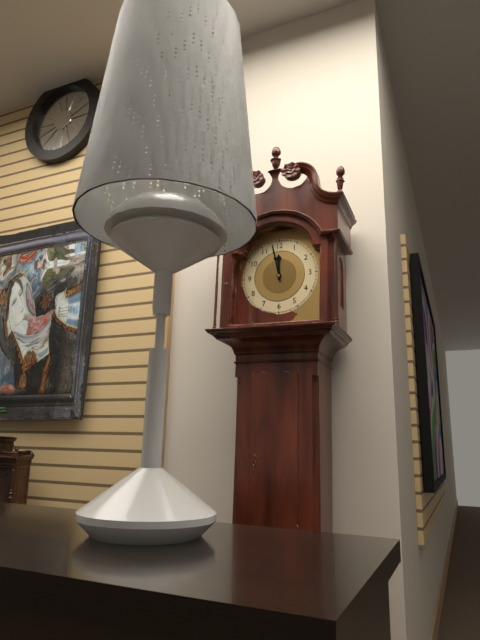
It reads 11h58
